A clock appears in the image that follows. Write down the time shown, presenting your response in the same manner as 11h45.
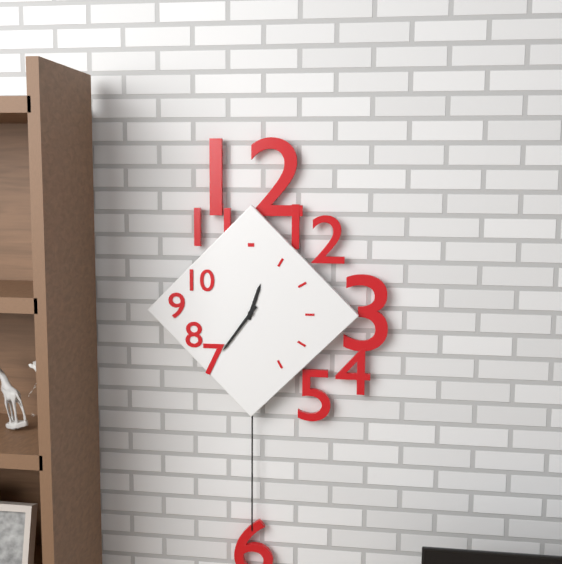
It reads 12h36
